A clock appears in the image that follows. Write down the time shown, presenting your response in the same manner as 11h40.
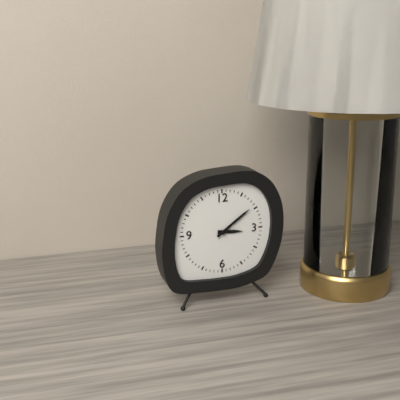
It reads 3h09
